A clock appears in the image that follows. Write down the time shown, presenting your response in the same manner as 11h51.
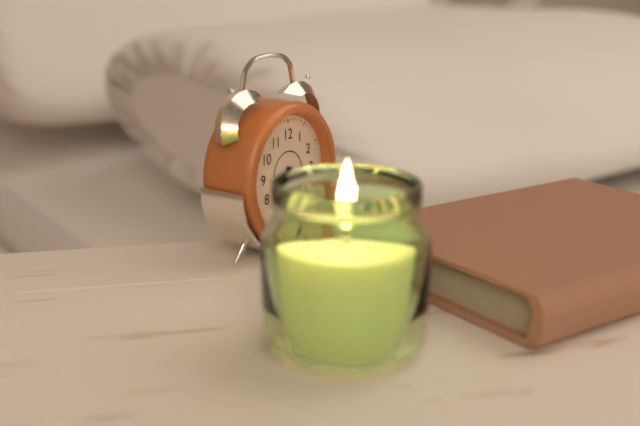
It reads 6h25
